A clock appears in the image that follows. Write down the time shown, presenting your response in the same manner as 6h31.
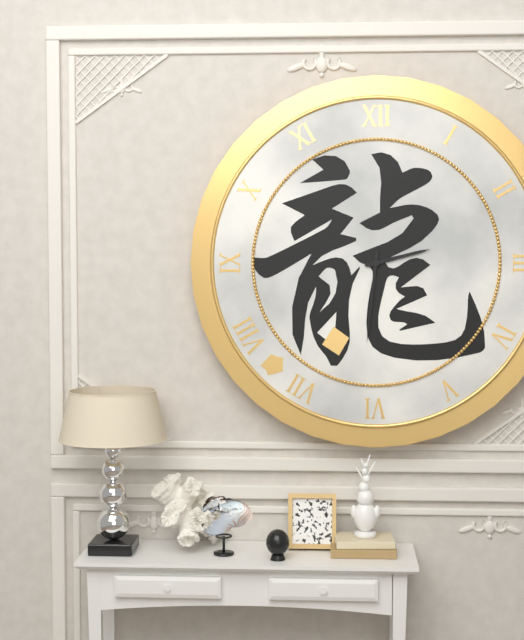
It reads 2h31
